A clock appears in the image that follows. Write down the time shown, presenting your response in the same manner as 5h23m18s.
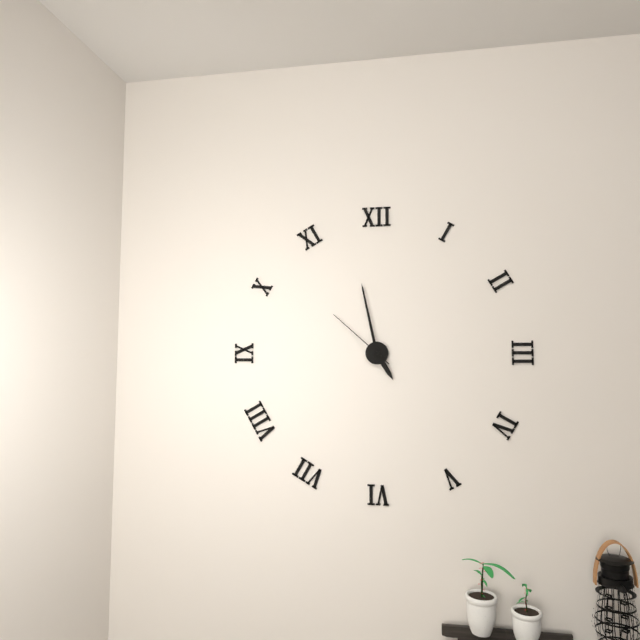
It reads 4h58m52s
